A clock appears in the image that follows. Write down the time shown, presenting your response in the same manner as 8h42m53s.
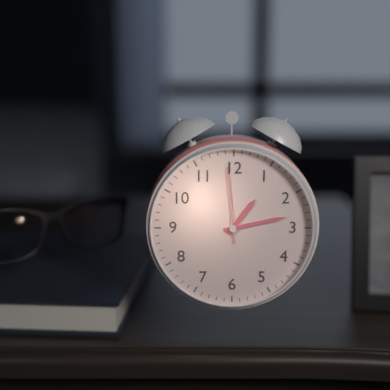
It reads 1h13m59s
